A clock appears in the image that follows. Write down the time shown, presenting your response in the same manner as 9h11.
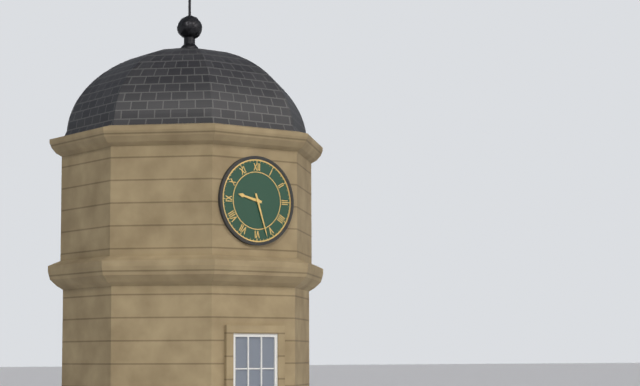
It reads 9h27
